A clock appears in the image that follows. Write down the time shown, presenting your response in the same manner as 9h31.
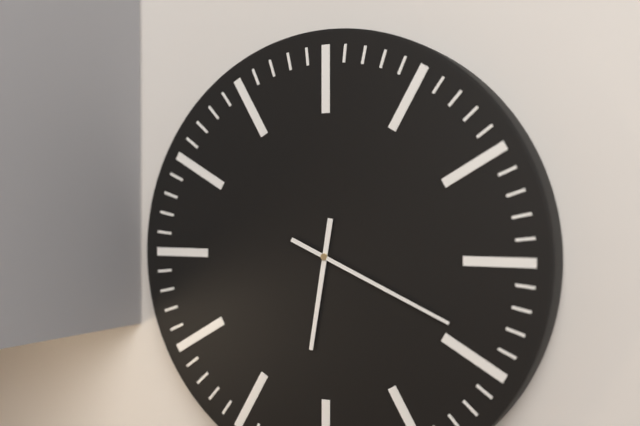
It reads 6h19
